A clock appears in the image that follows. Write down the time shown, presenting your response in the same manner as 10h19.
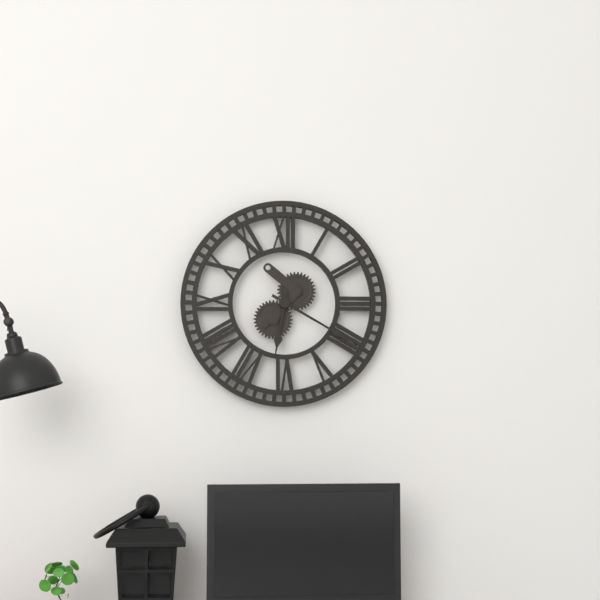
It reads 6h20
